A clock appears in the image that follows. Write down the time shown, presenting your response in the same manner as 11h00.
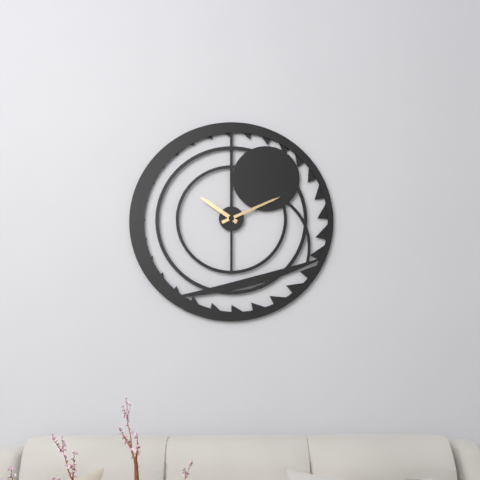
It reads 10h11
